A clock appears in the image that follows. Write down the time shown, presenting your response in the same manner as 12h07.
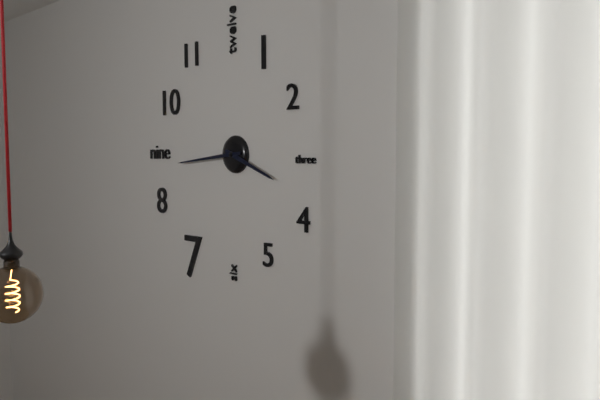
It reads 3h44
